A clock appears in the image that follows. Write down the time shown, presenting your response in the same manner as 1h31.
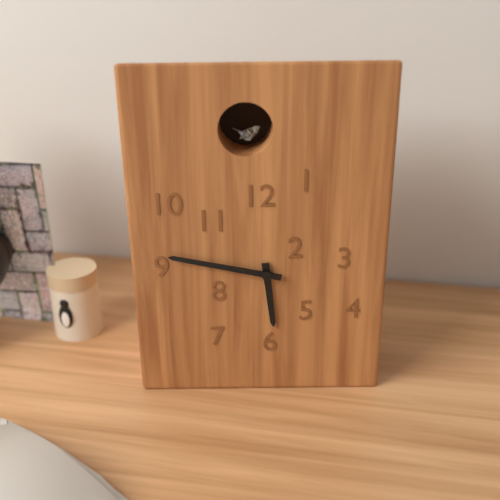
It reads 5h47
